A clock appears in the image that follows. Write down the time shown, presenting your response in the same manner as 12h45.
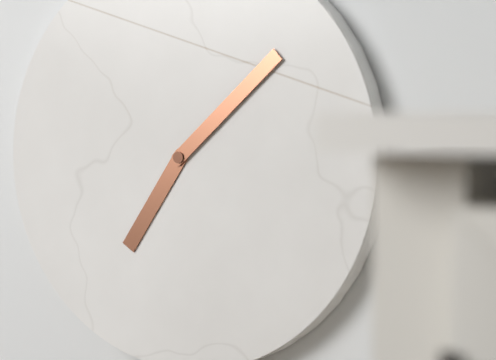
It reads 7h08
